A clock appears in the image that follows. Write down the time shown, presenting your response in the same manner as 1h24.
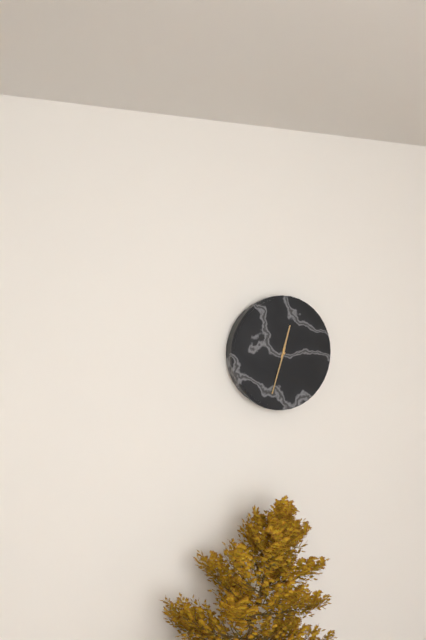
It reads 12h33
